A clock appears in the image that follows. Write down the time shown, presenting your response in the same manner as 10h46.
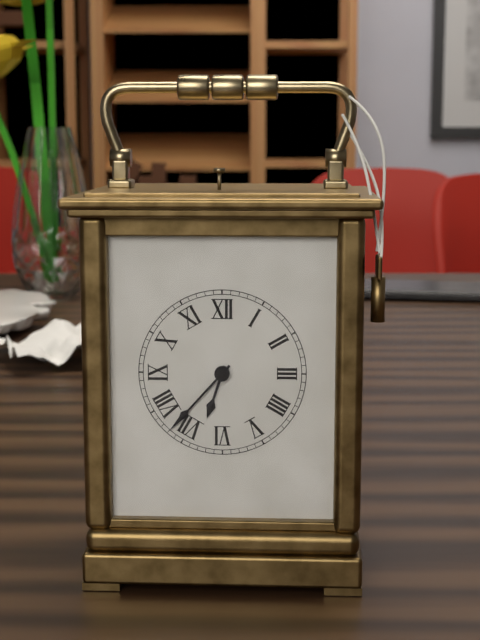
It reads 6h37
